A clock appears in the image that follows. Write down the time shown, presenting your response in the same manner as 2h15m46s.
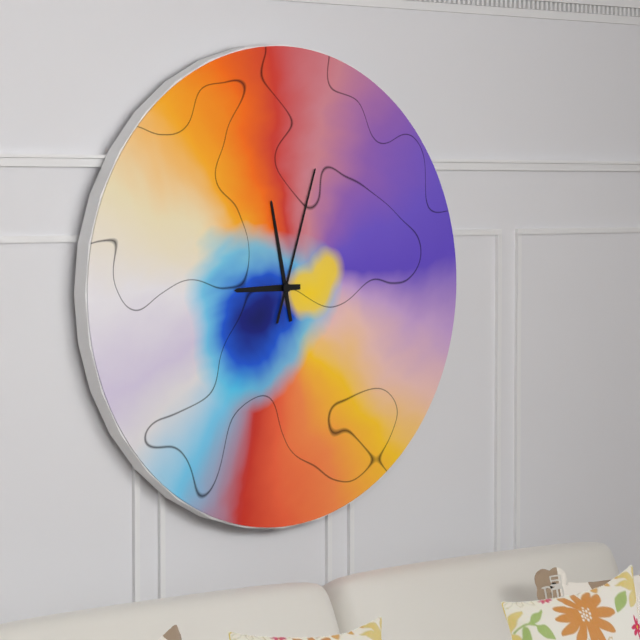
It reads 8h58m03s
